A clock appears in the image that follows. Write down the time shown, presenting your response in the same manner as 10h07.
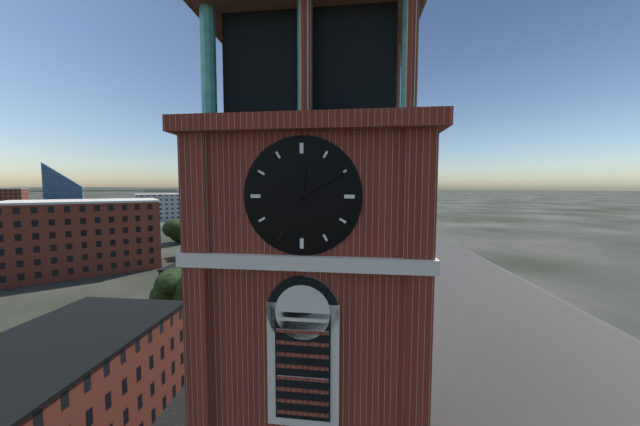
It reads 12h10
